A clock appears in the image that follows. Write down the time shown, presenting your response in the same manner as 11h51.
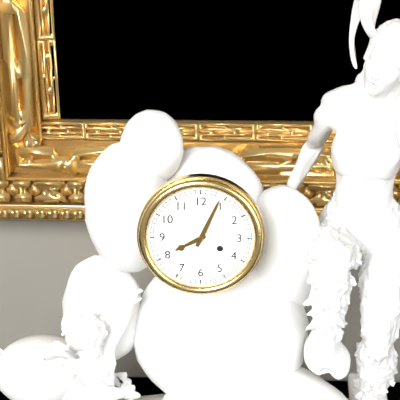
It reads 8h04
